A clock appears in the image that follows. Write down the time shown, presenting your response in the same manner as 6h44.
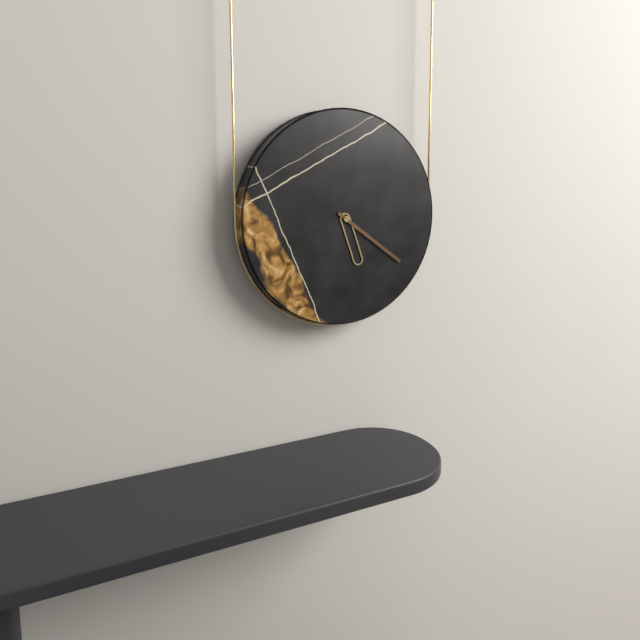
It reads 5h21
